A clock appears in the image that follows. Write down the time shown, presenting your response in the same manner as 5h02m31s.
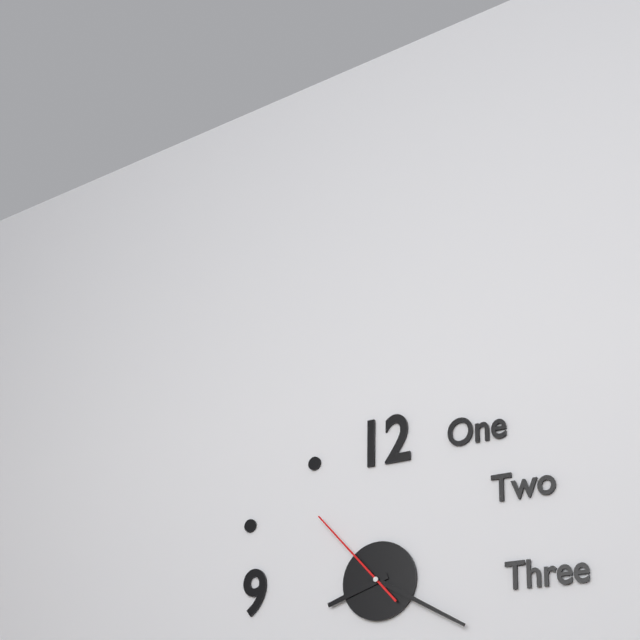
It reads 8h20m53s
